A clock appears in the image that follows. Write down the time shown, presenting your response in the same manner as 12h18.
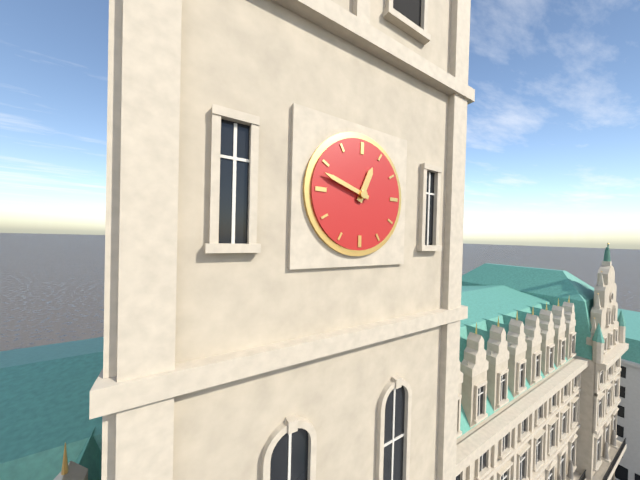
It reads 12h48
